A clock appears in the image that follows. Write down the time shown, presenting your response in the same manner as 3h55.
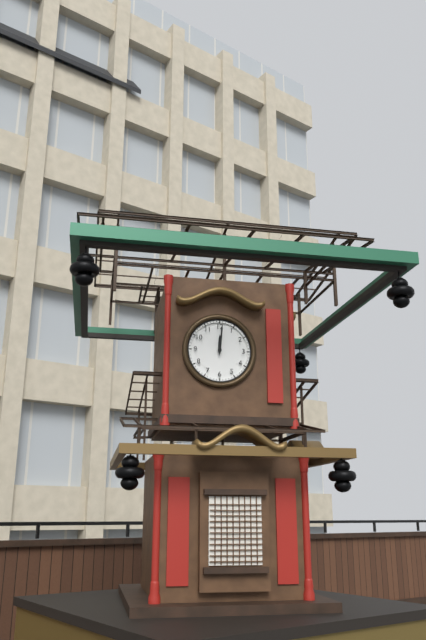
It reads 12h01
